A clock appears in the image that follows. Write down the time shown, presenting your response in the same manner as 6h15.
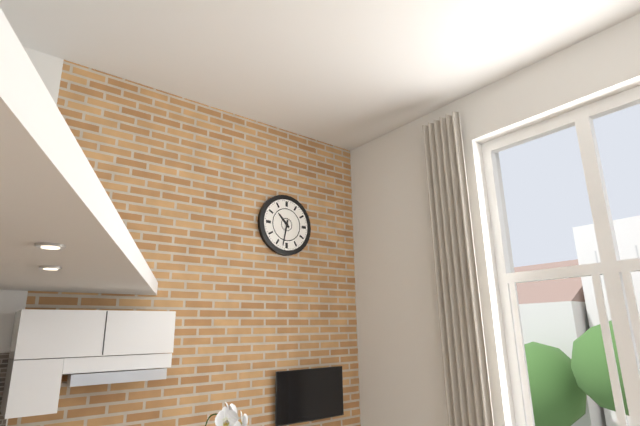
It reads 10h32
